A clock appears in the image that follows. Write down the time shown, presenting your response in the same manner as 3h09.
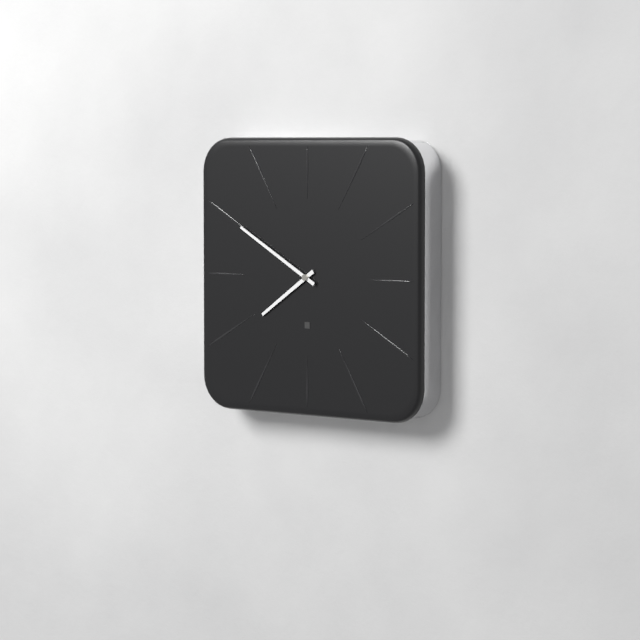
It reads 7h50
